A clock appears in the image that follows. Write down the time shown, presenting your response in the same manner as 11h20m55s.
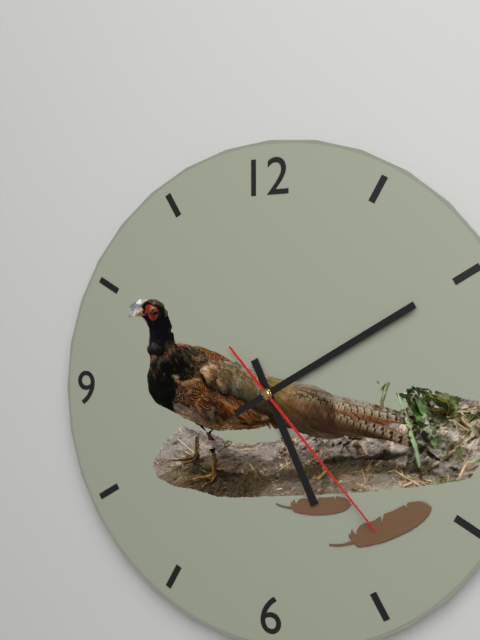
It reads 5h10m23s
